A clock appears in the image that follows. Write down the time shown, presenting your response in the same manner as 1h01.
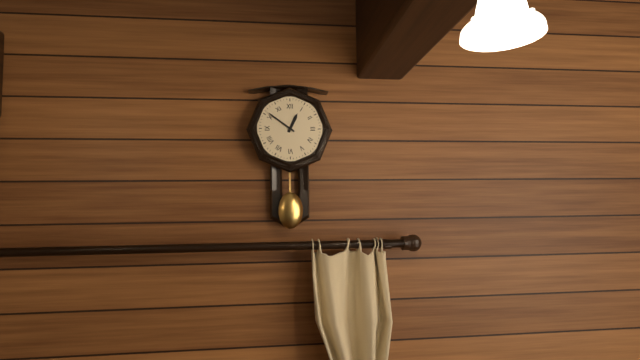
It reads 12h51
